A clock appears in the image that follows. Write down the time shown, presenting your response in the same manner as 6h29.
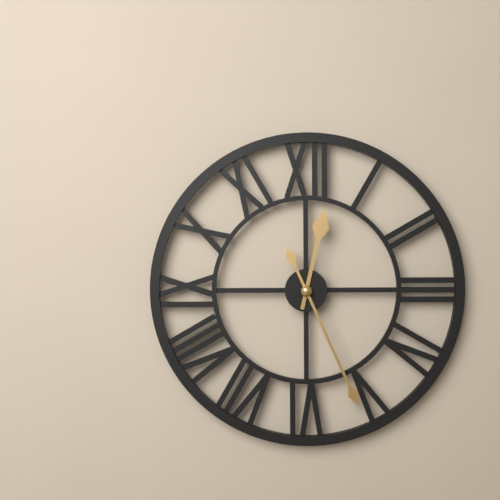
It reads 12h26
